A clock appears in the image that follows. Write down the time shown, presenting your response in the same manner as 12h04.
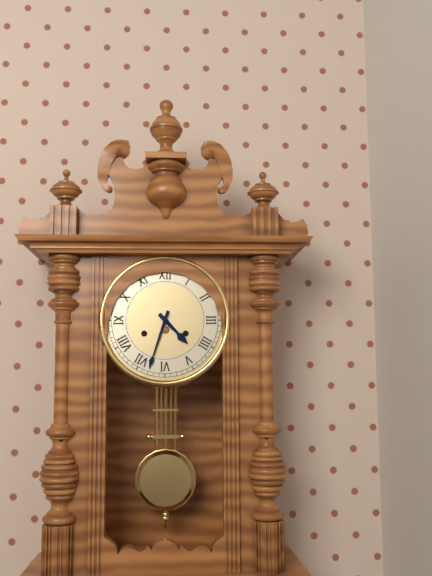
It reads 4h33
